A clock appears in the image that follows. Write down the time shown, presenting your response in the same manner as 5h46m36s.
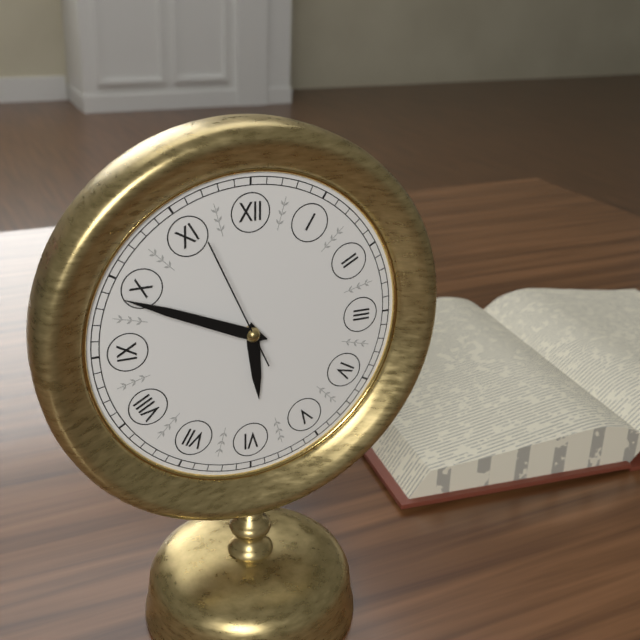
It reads 5h49m56s
